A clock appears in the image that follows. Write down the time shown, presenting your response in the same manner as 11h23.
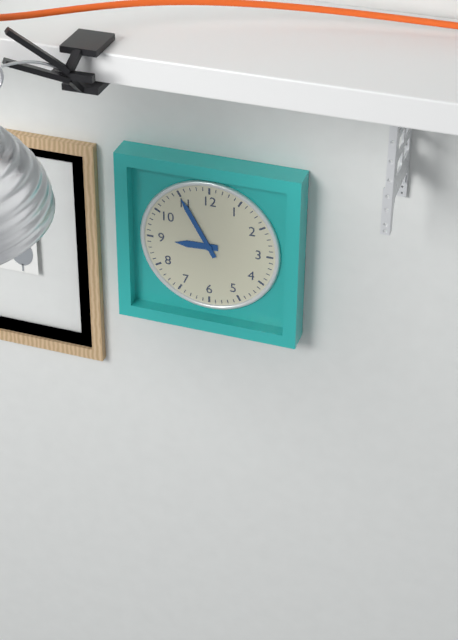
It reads 8h55
